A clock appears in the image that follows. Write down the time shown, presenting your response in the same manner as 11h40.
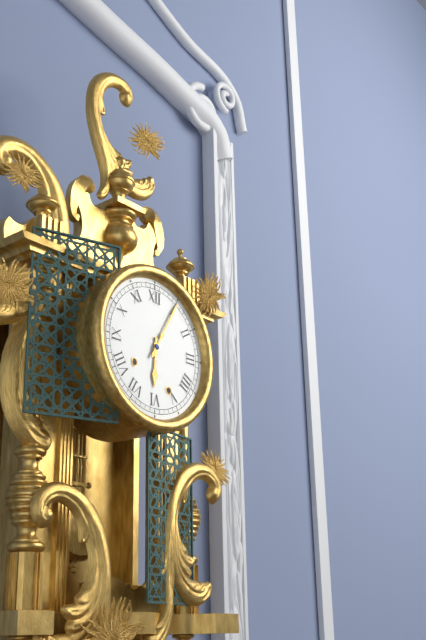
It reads 6h05
